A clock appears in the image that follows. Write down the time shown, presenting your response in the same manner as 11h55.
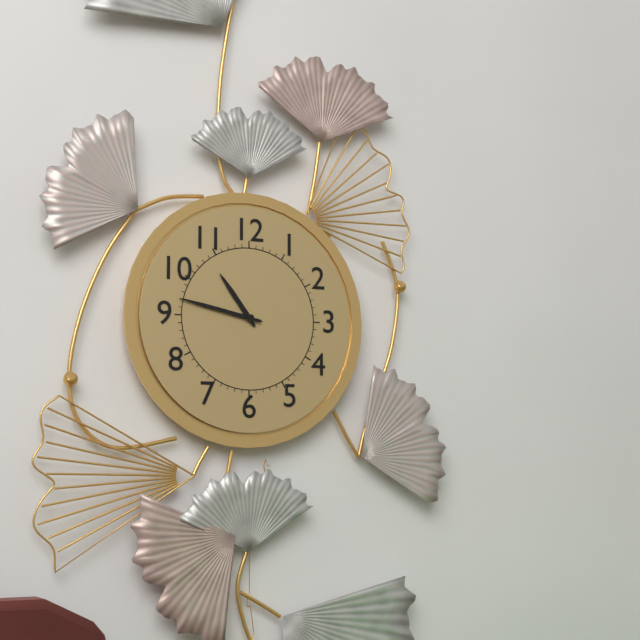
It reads 10h47
